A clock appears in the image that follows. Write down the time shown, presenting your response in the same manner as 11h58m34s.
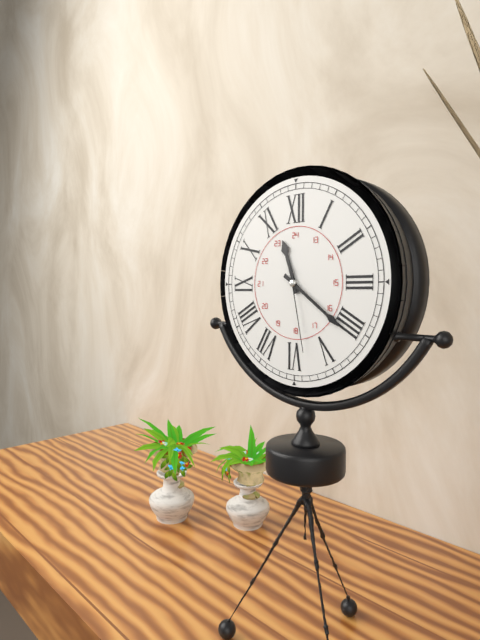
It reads 11h21m28s
